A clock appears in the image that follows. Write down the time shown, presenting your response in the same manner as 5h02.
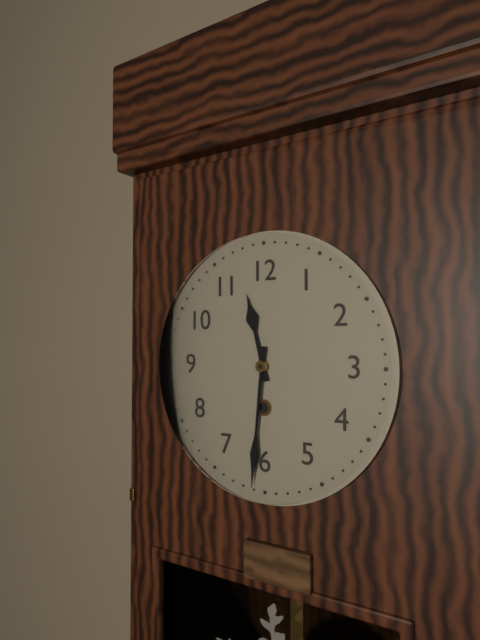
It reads 11h31
